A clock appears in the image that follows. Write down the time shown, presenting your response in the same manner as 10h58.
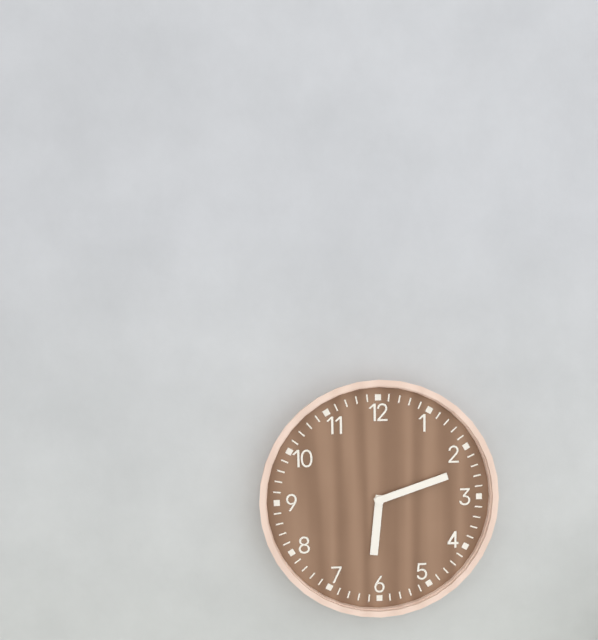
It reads 6h12
